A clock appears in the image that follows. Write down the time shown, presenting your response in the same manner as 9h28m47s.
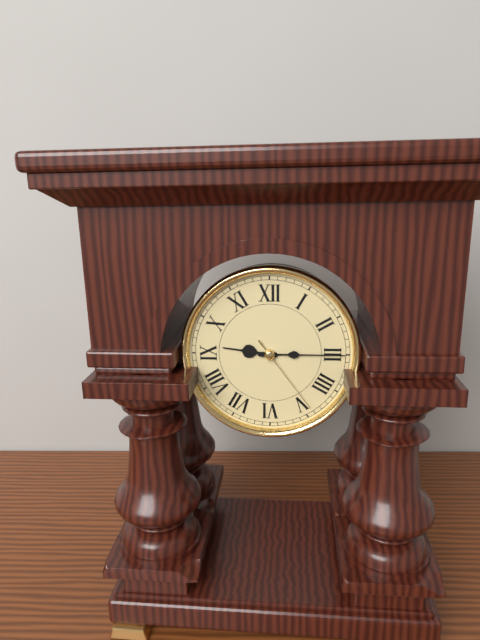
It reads 9h15m24s
